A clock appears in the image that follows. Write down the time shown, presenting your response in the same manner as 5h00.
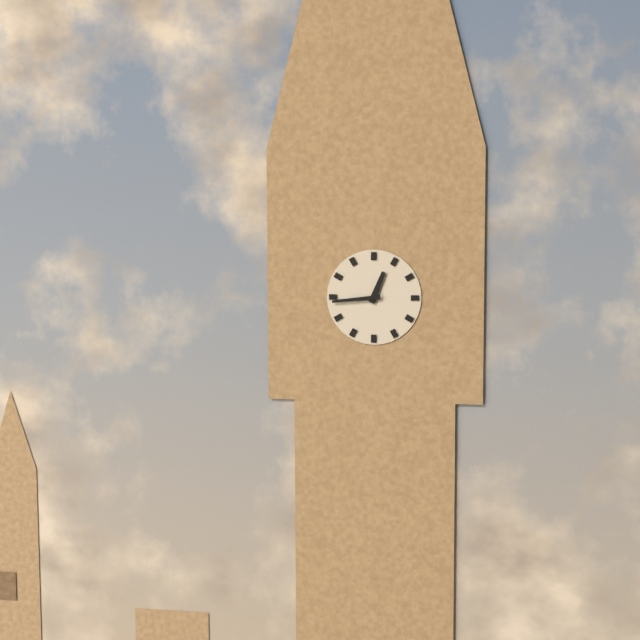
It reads 12h44
